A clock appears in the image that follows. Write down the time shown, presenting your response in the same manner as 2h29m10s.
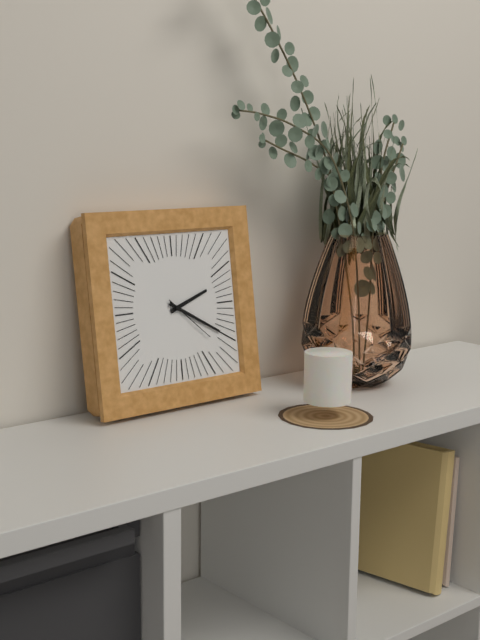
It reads 2h20m22s
